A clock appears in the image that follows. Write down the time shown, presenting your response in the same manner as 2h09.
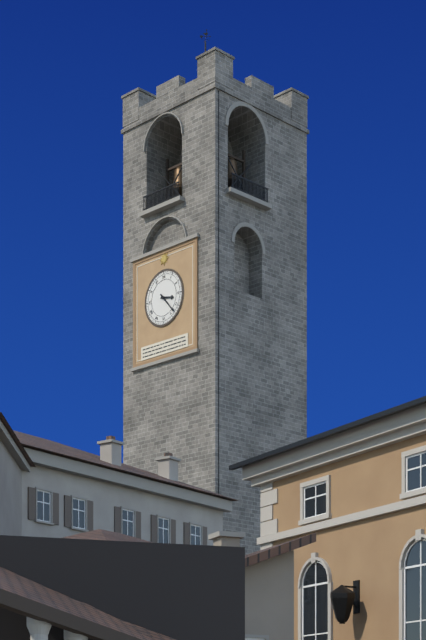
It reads 3h23
